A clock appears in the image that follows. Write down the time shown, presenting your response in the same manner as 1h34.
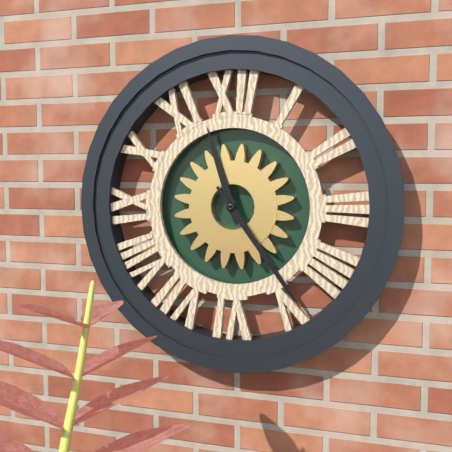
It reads 11h24
